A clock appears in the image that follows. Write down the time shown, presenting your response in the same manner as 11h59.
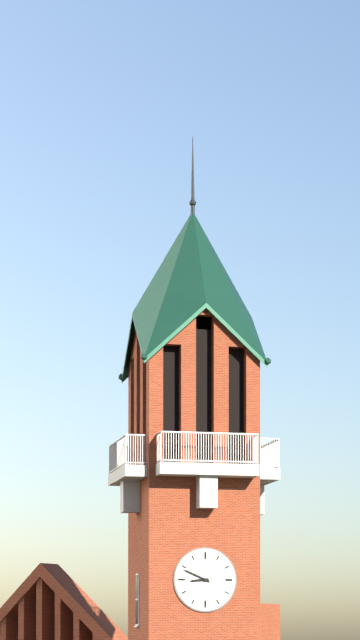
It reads 8h49
